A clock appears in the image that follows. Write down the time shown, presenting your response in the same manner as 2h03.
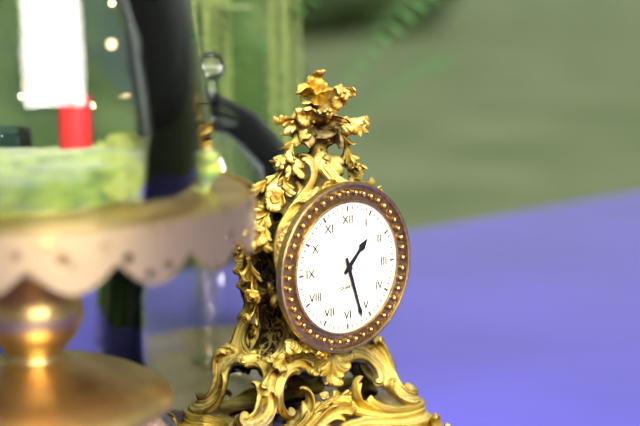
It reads 1h27
